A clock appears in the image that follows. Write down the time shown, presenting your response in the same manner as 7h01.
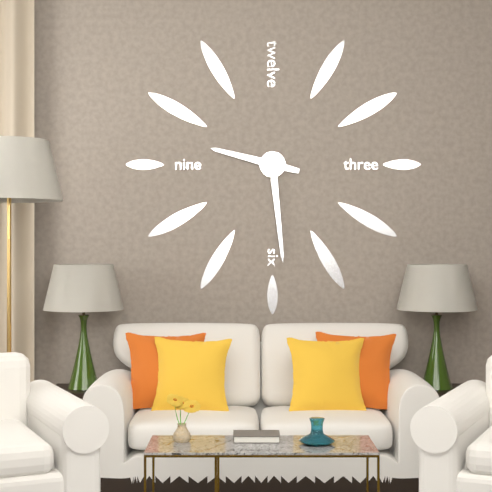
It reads 9h29
